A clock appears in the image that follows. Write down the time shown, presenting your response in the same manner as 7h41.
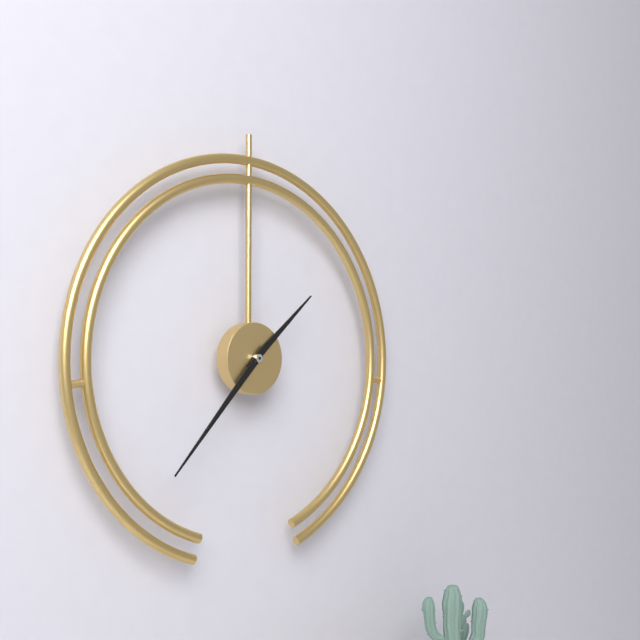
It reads 1h37
